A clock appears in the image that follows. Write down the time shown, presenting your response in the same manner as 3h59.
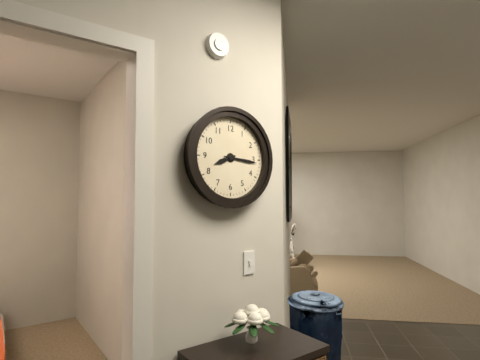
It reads 8h16
